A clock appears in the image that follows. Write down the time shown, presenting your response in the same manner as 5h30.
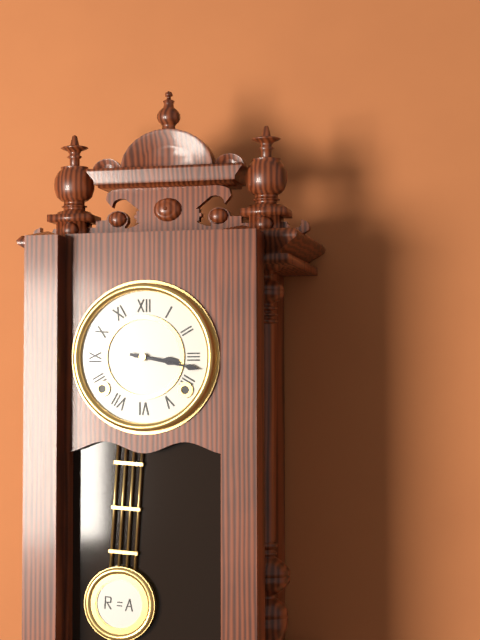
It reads 3h17
